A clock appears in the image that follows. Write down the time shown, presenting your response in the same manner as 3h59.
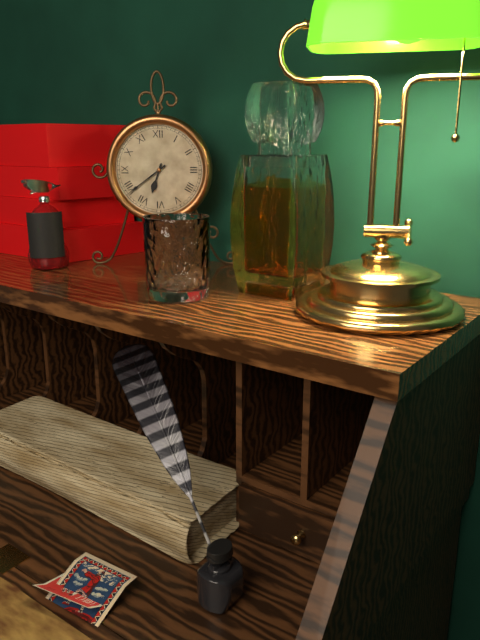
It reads 6h39
